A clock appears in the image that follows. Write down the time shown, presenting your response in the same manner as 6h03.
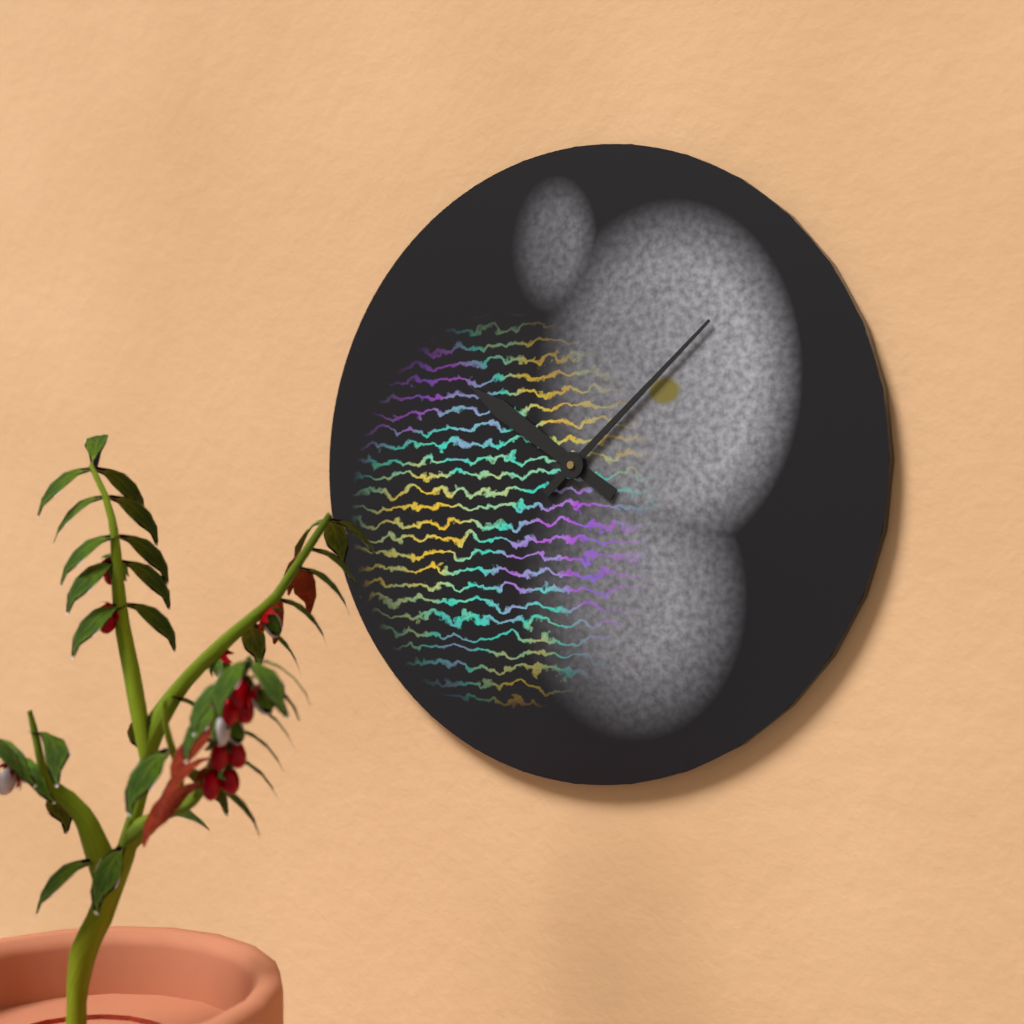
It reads 10h08
